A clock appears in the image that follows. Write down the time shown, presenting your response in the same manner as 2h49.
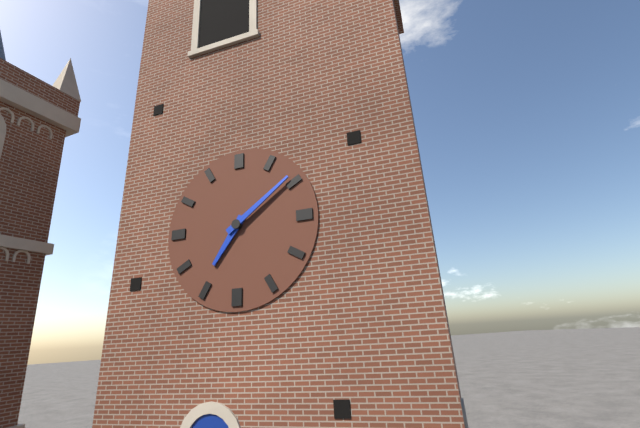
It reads 7h09
